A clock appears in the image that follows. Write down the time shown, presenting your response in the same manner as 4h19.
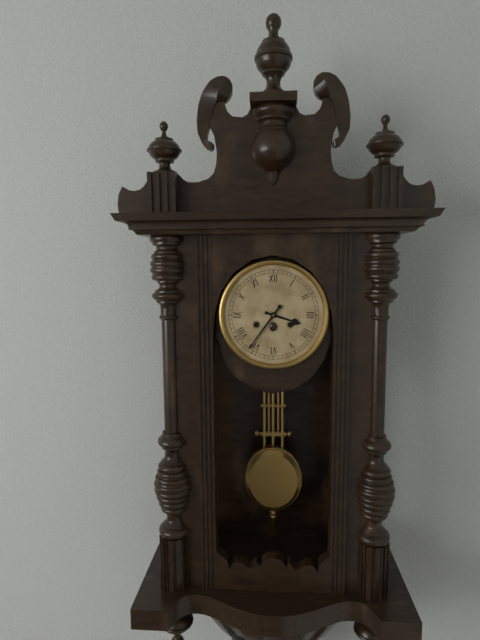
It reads 3h36
